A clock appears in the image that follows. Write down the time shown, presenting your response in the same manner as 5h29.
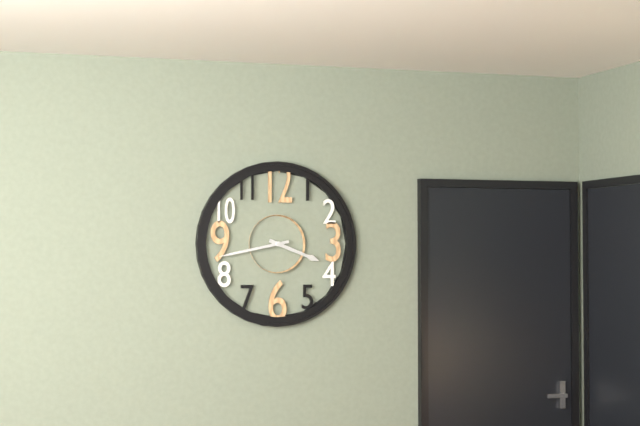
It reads 3h43
